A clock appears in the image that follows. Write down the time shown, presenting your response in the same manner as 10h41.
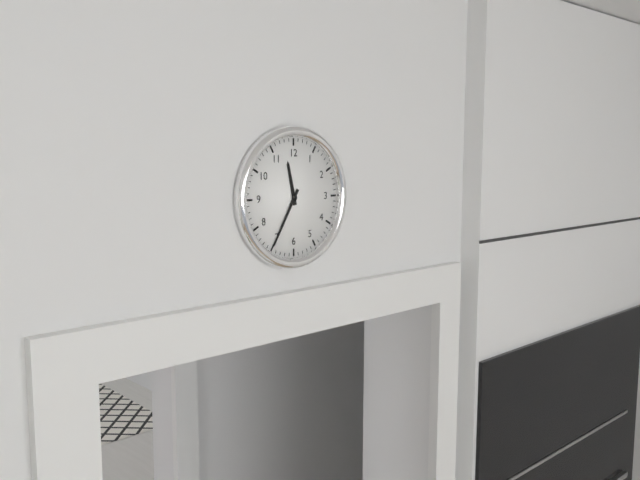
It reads 11h35
